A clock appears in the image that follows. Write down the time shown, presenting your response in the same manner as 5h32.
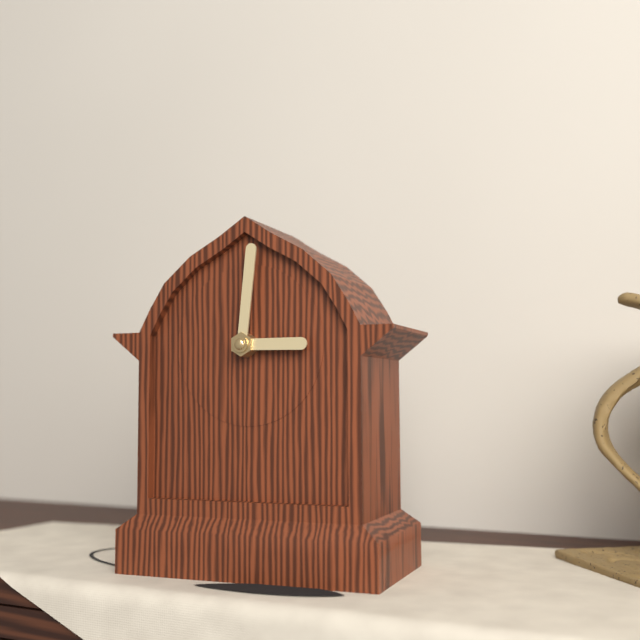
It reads 3h01
